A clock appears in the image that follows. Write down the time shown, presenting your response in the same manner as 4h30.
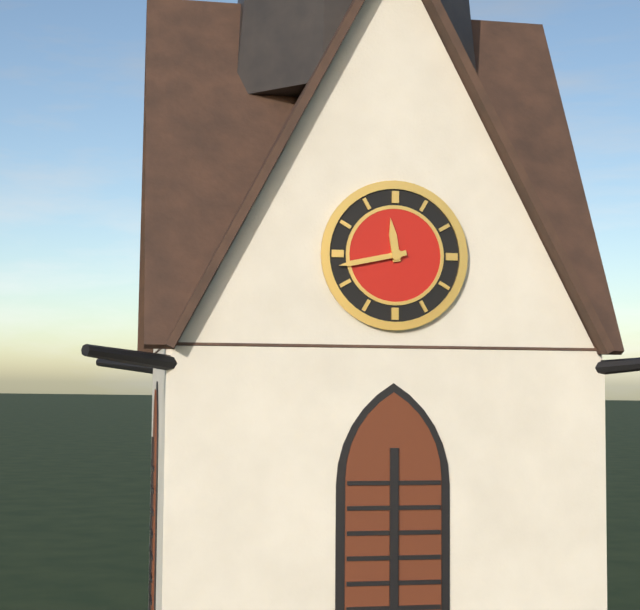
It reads 11h43
